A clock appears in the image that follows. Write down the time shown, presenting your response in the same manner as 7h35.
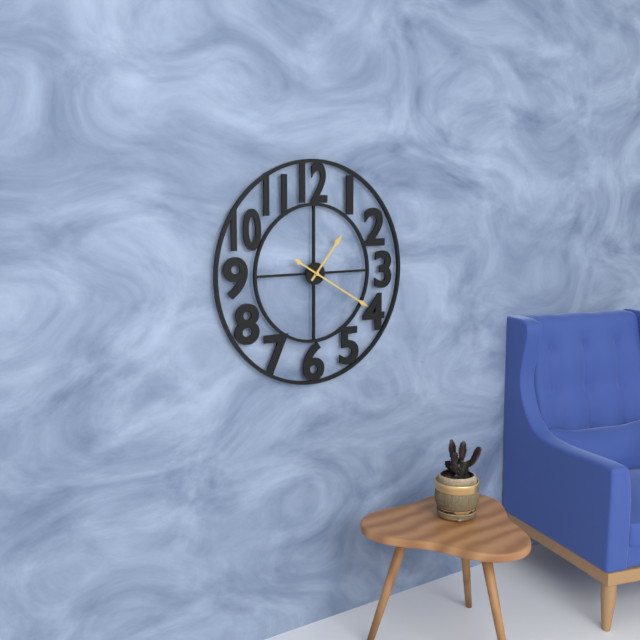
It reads 1h20
